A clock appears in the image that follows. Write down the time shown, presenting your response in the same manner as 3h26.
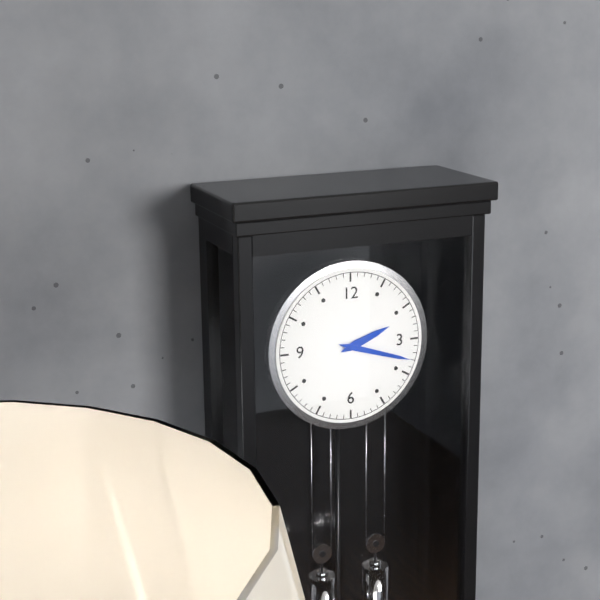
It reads 2h18
